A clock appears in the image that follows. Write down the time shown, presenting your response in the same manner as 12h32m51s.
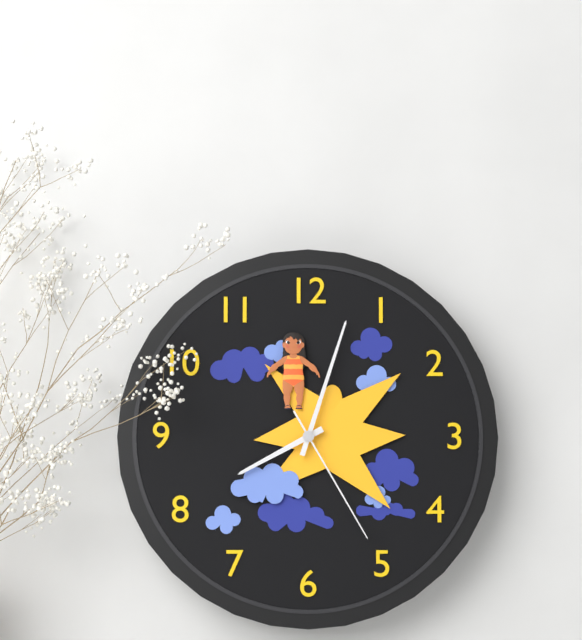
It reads 8h03m25s
